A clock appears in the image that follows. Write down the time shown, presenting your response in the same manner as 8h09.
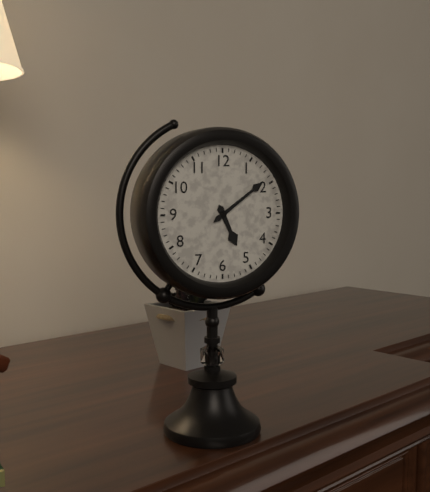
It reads 5h09
